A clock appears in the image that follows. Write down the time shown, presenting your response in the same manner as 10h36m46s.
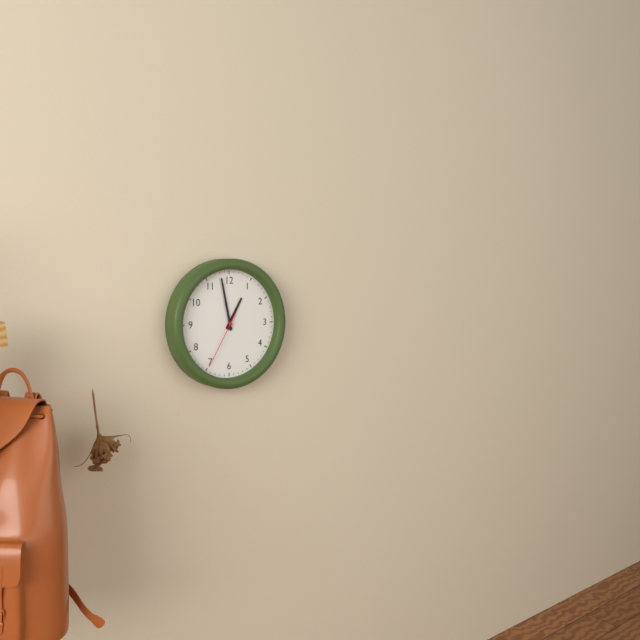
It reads 12h58m35s
